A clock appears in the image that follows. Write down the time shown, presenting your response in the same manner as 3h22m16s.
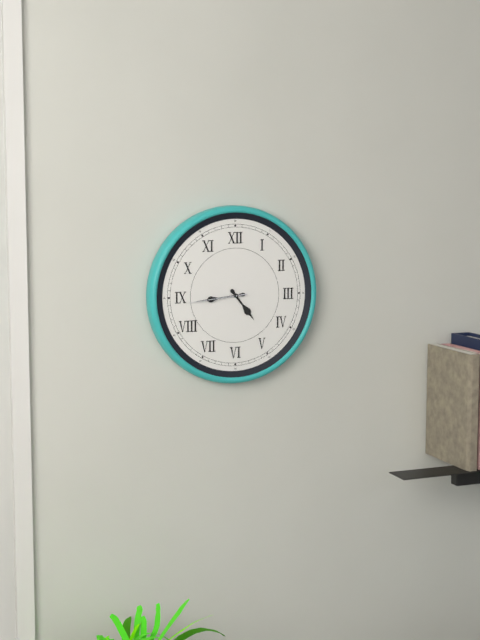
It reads 4h44m44s
